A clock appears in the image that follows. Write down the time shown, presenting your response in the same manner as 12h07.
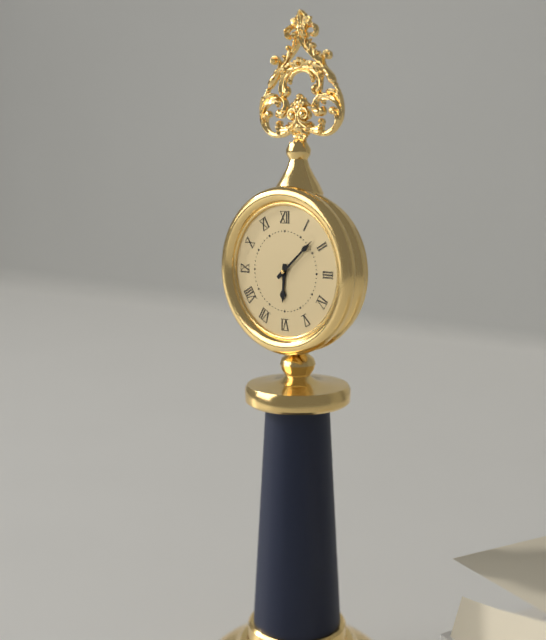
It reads 6h08
